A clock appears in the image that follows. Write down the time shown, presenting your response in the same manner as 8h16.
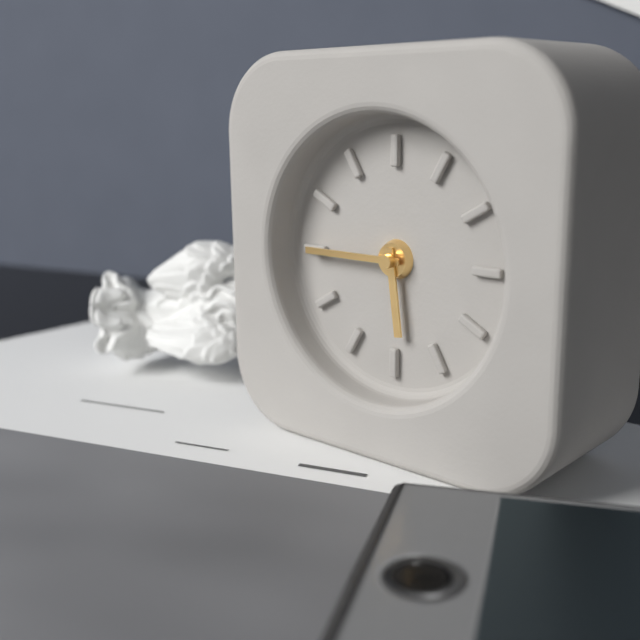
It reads 5h45
